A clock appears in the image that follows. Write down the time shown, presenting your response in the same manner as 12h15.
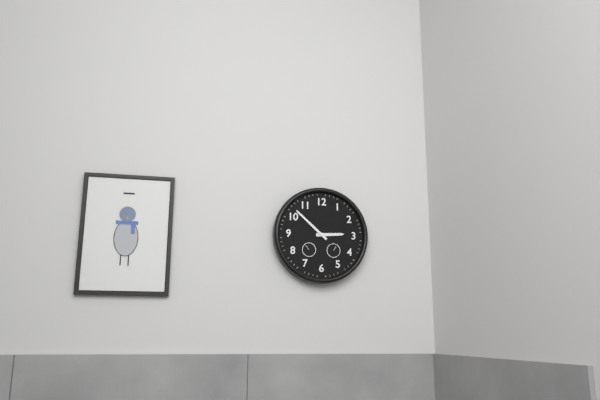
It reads 2h52
